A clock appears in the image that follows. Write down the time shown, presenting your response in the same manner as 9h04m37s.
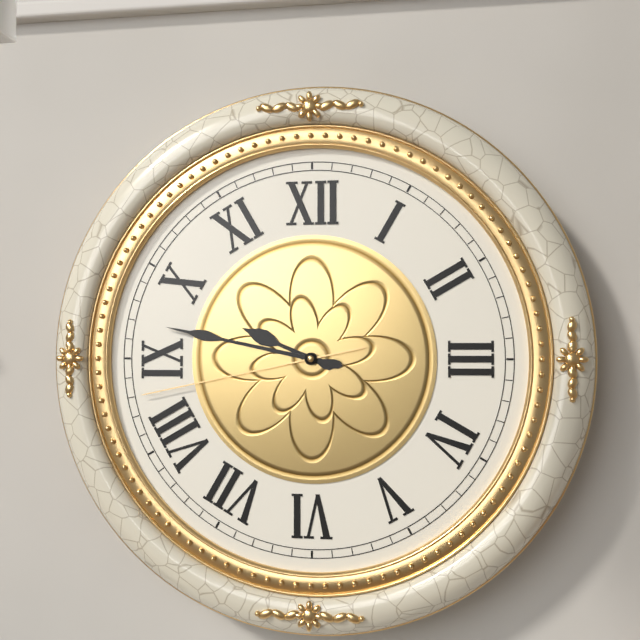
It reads 9h47m43s
